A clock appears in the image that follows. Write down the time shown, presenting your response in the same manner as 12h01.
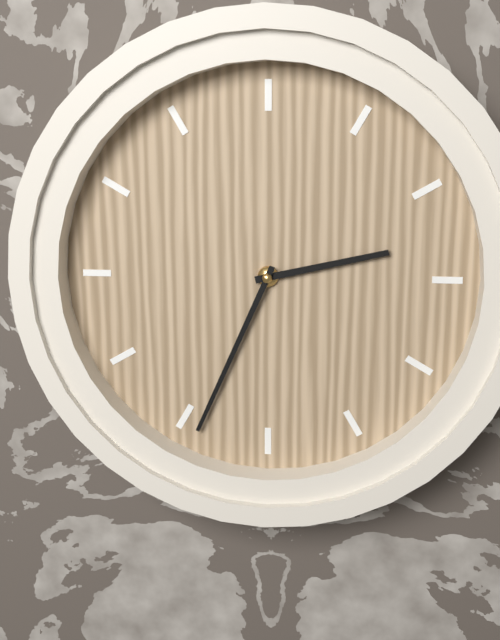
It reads 2h34
